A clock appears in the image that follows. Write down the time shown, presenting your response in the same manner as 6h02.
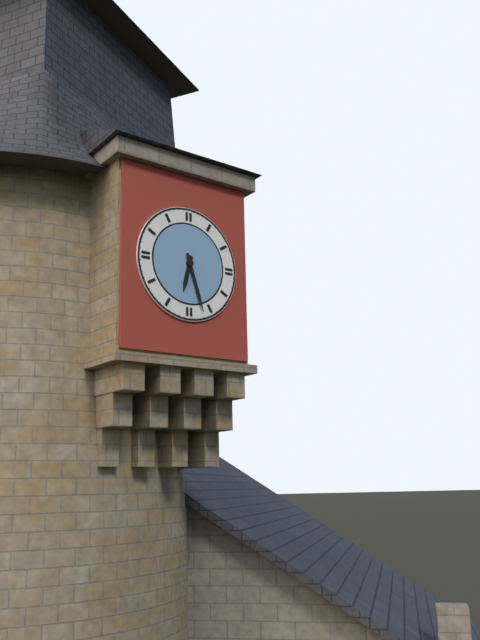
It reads 6h27
